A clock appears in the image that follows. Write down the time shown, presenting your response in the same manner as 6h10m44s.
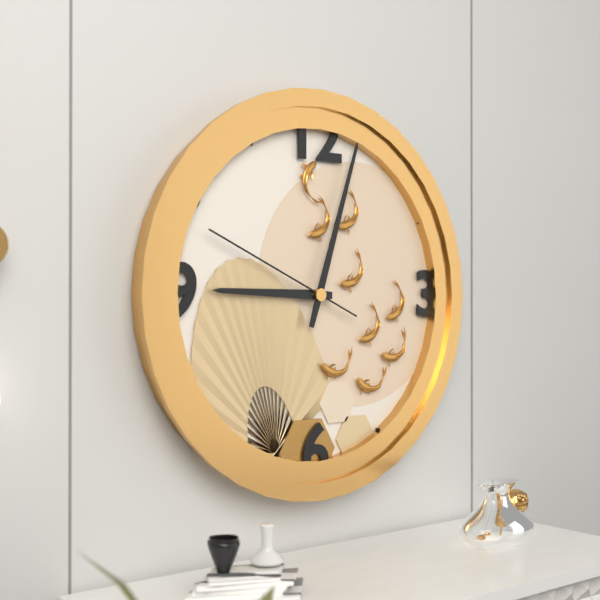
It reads 9h03m49s
